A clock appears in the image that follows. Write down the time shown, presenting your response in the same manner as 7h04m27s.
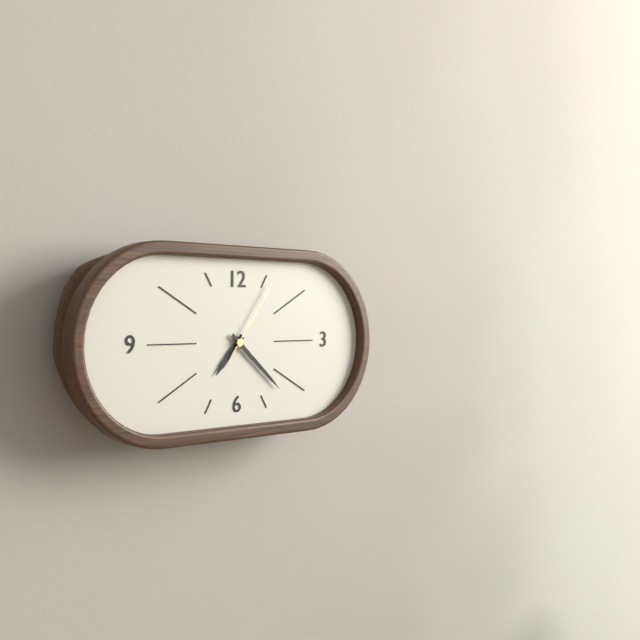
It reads 7h22m06s
